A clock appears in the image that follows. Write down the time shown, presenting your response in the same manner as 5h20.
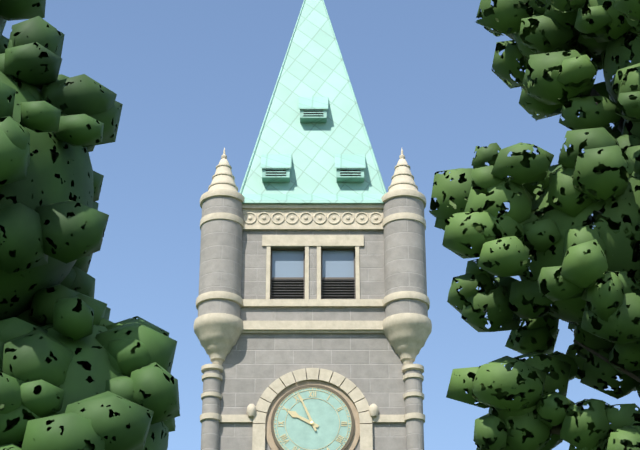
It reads 9h56
